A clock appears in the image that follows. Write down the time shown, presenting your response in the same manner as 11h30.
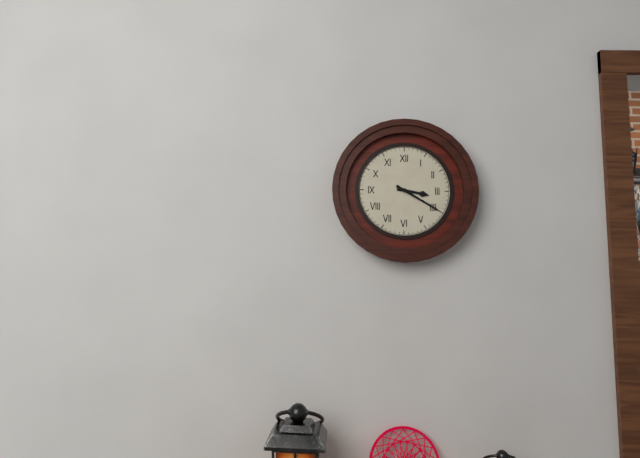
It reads 3h20
